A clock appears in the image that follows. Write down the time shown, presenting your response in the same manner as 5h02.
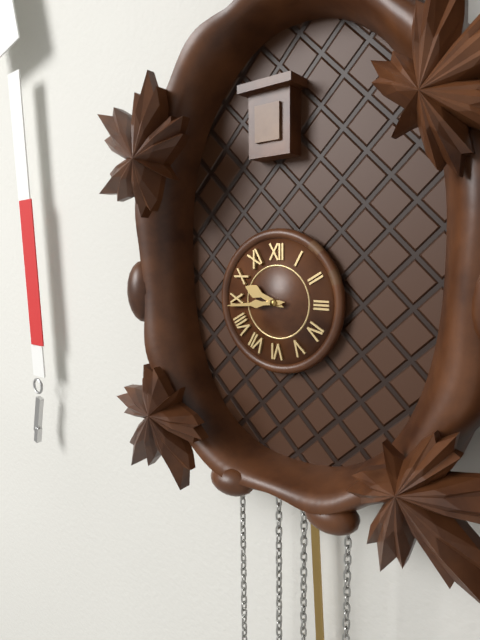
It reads 9h44
